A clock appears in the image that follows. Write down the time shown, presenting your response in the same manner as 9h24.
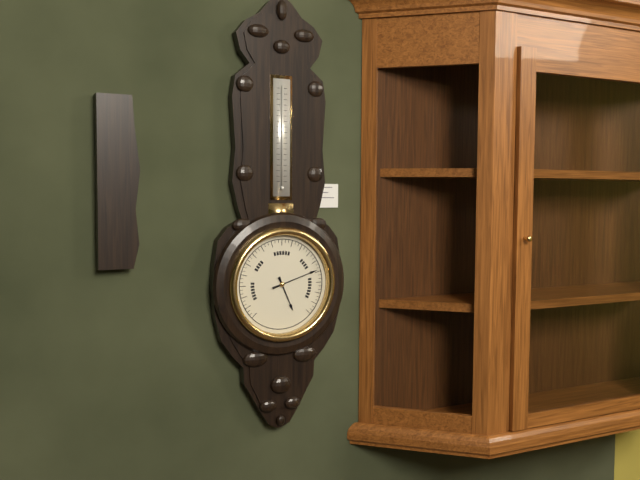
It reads 5h12
